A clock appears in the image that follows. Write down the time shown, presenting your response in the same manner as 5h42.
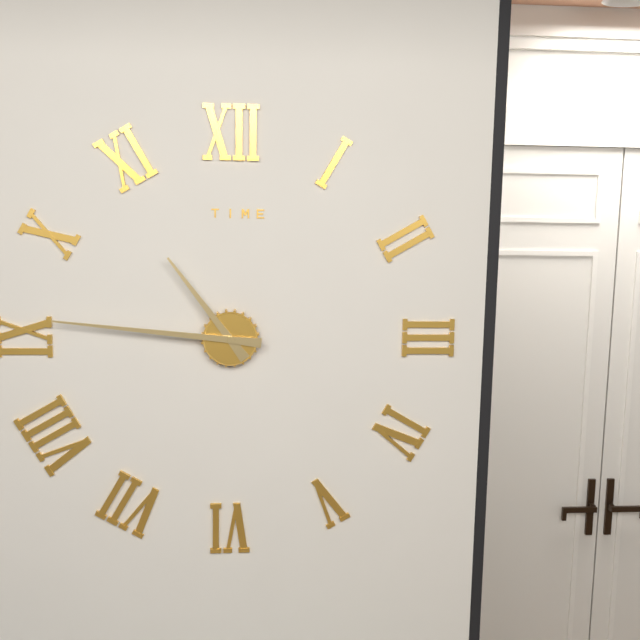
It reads 10h46
